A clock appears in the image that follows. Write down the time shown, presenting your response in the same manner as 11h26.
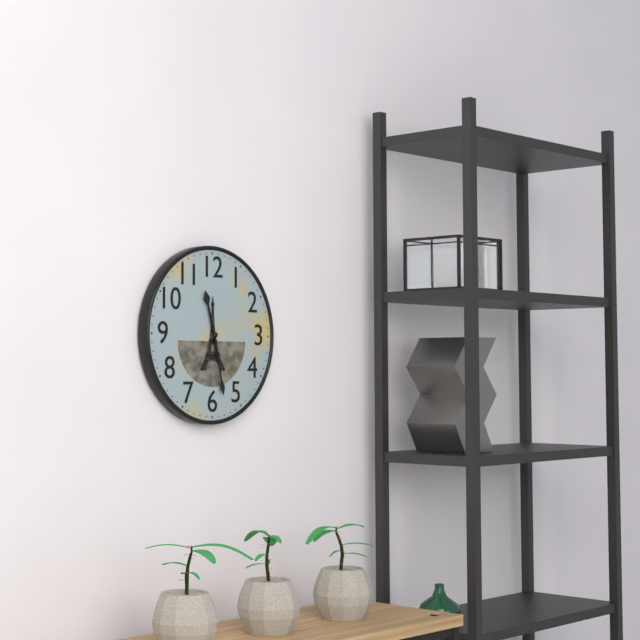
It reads 11h28
